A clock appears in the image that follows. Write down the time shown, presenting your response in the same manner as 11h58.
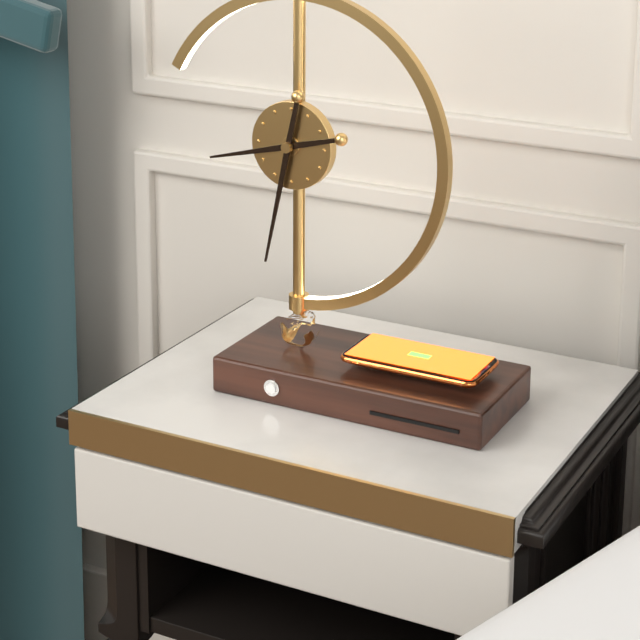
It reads 8h32
